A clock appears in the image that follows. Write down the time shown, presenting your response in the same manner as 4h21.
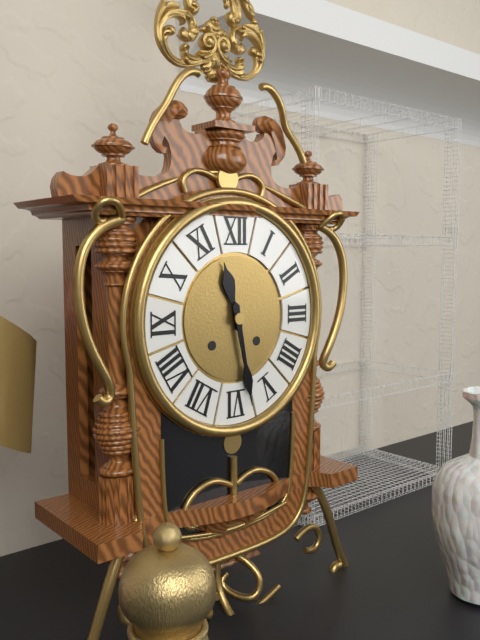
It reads 11h28
